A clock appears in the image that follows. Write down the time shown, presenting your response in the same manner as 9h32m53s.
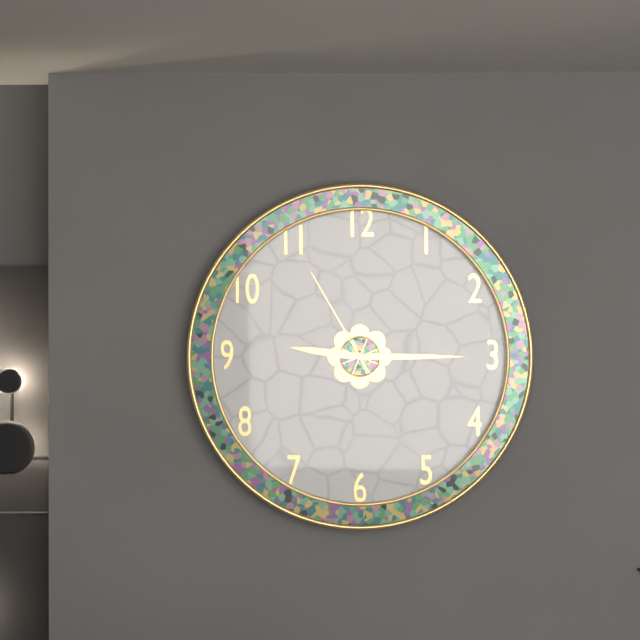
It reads 9h15m55s
